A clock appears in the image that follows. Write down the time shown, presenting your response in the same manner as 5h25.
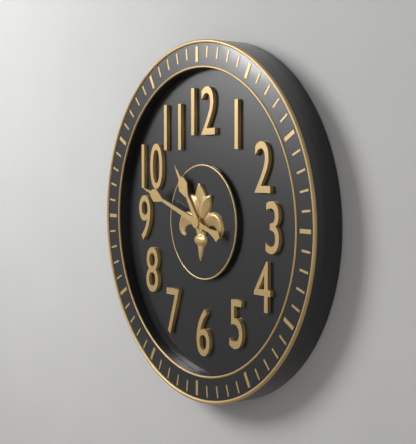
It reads 10h48
